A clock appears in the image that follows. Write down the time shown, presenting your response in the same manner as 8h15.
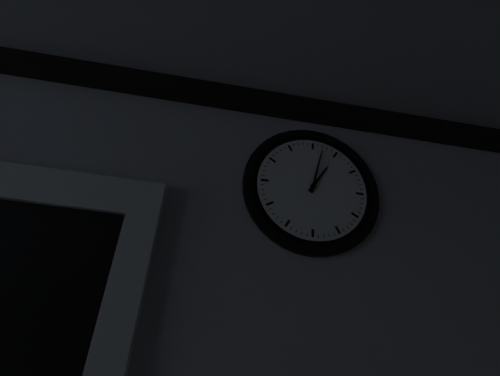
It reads 1h02
